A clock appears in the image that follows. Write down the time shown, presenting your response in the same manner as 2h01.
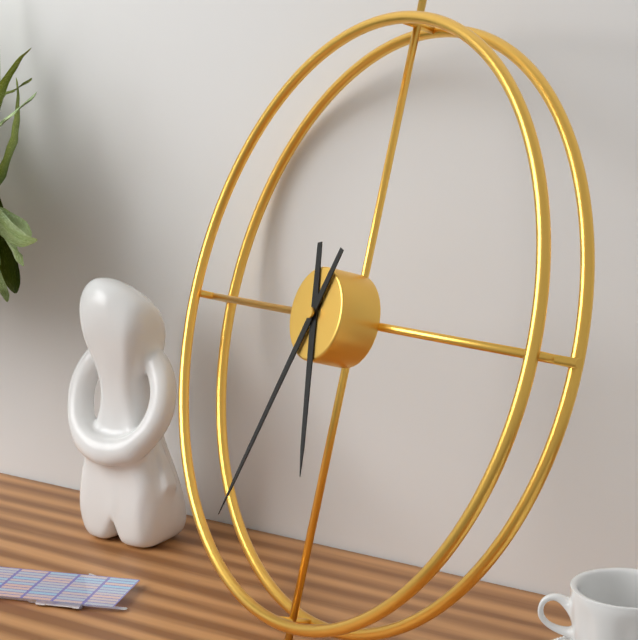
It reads 5h34
